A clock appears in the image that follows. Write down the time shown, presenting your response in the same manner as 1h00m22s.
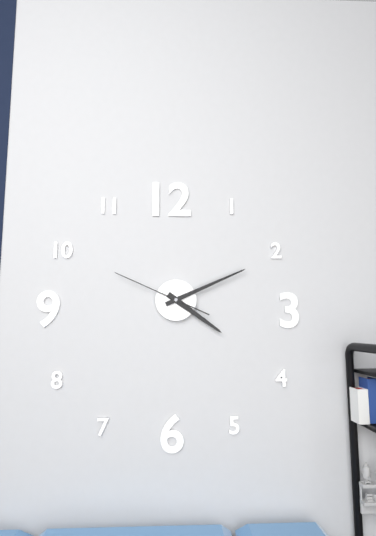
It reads 4h11m49s
